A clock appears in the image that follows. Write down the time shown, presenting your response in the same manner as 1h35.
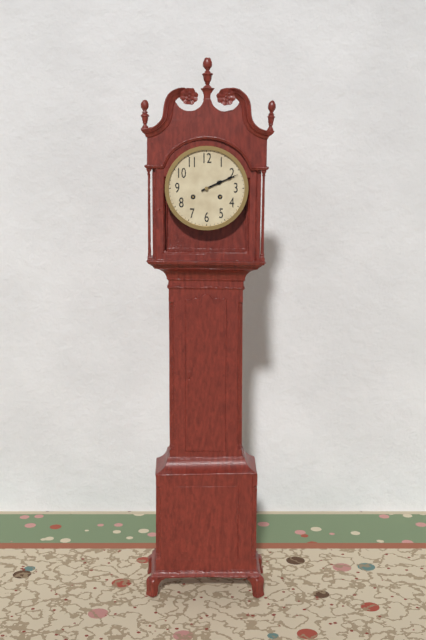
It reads 2h11
